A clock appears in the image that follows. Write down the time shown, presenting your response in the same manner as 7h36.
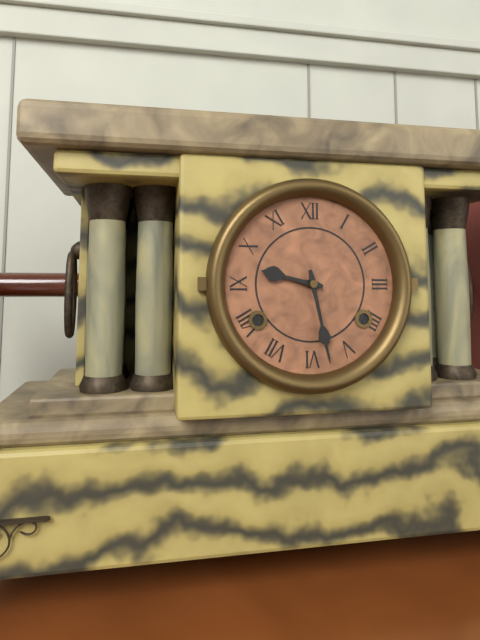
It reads 9h28
